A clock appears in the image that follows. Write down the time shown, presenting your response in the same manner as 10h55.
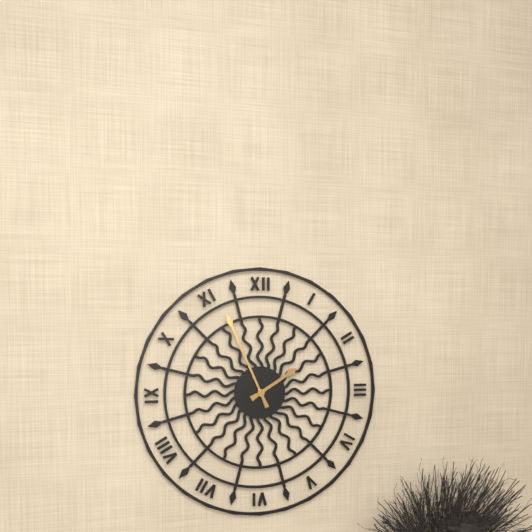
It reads 1h56
